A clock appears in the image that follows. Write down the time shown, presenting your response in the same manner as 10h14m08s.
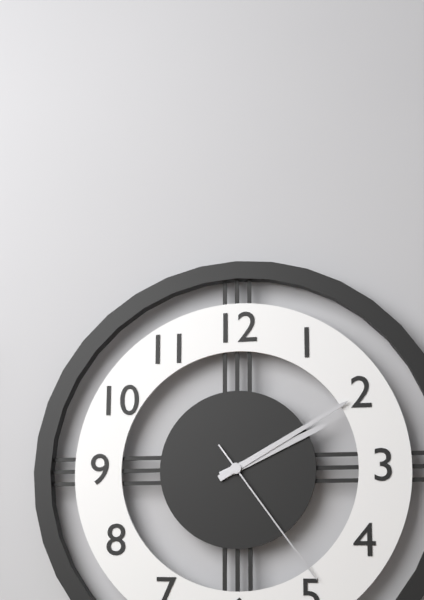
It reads 2h10m24s
